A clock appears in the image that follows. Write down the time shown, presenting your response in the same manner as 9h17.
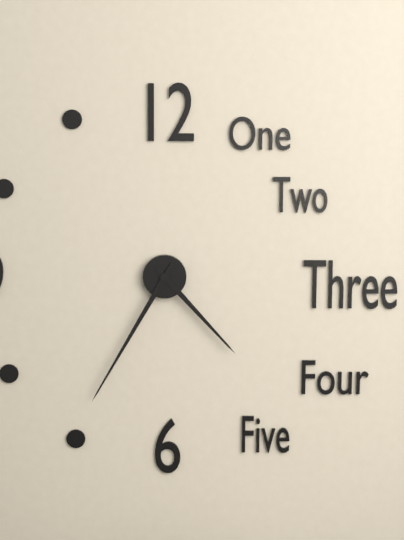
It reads 4h35
